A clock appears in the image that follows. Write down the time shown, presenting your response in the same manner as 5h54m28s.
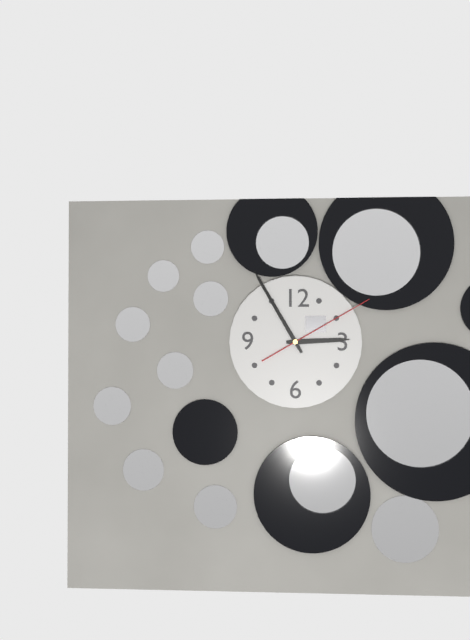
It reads 2h55m10s
